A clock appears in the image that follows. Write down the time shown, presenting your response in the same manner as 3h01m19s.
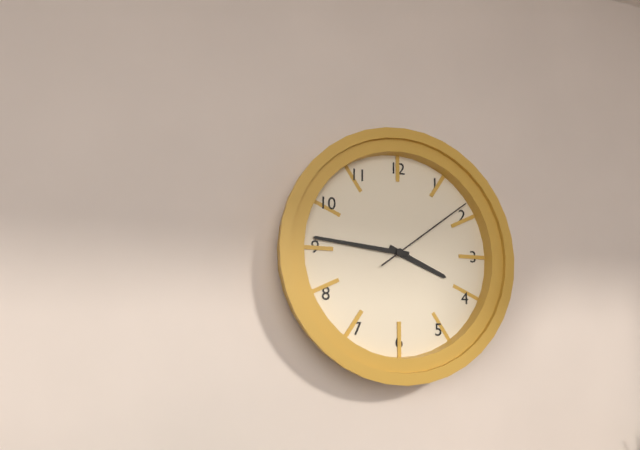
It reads 3h46m09s
